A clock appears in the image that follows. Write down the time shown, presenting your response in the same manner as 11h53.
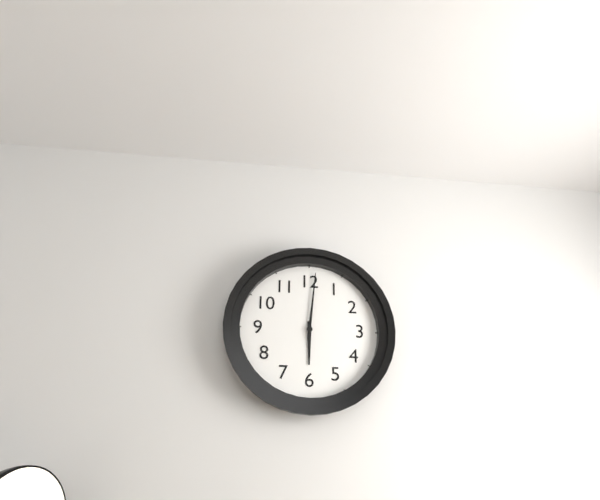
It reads 6h01
